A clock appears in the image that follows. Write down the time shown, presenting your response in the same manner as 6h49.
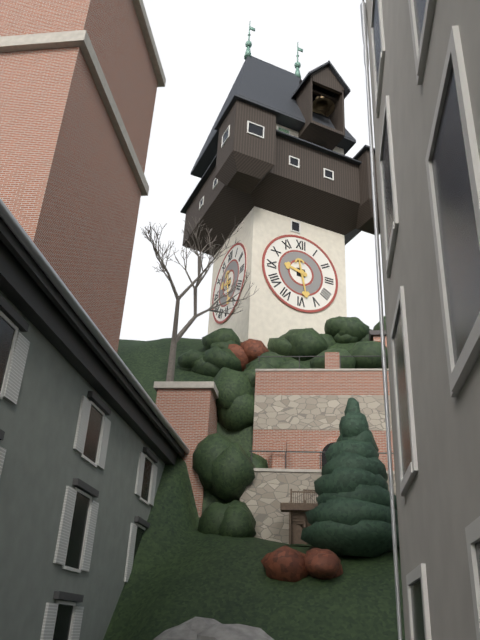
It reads 9h28
